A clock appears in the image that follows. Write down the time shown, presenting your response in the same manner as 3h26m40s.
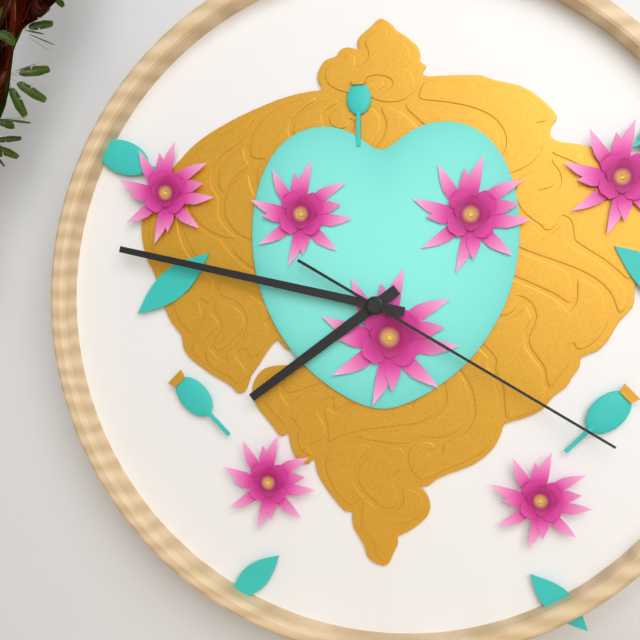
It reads 7h47m20s
